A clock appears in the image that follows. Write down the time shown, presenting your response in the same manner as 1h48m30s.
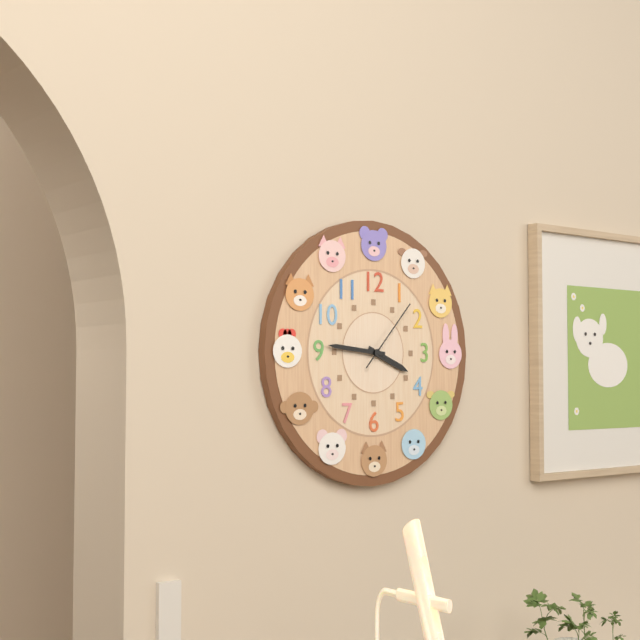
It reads 3h46m07s
